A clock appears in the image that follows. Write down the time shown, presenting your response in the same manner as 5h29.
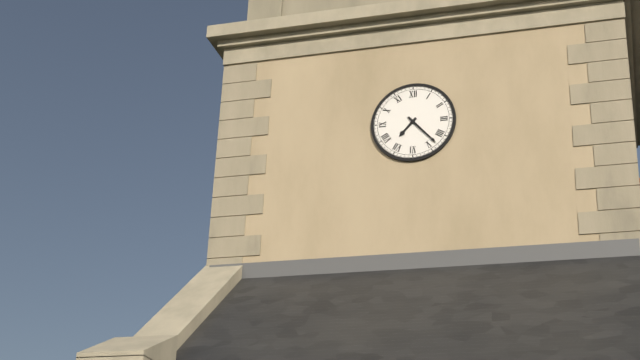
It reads 7h23
